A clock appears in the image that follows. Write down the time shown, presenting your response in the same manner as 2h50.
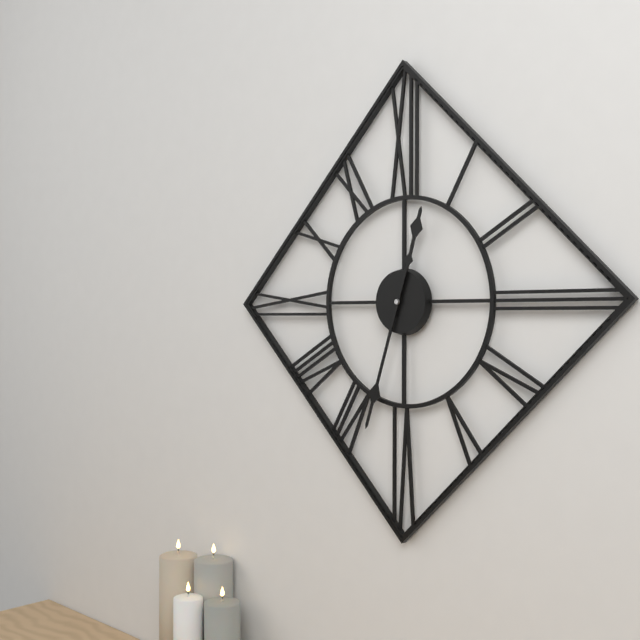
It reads 12h33
